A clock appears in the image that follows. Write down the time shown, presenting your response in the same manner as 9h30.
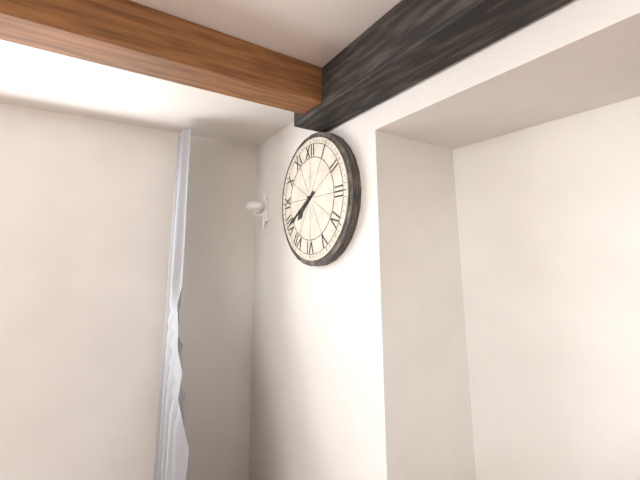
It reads 7h40
